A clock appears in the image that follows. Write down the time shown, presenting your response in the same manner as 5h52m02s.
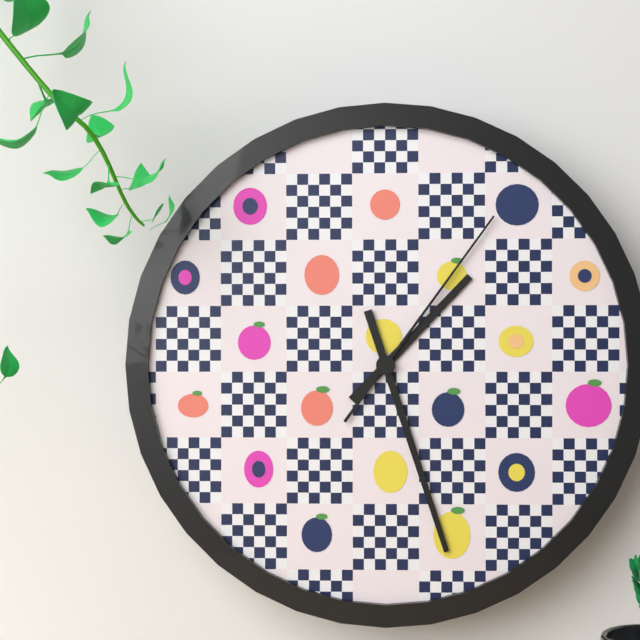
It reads 1h27m06s
